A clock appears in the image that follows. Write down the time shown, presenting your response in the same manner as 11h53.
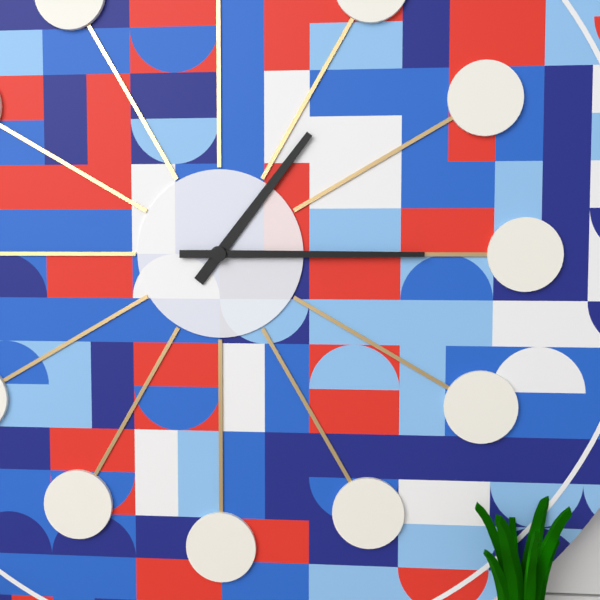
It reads 1h15
